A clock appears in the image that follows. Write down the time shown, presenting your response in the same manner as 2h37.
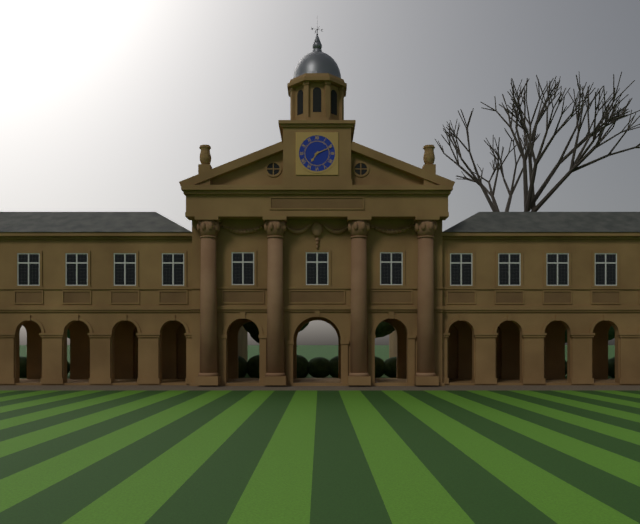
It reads 7h11
